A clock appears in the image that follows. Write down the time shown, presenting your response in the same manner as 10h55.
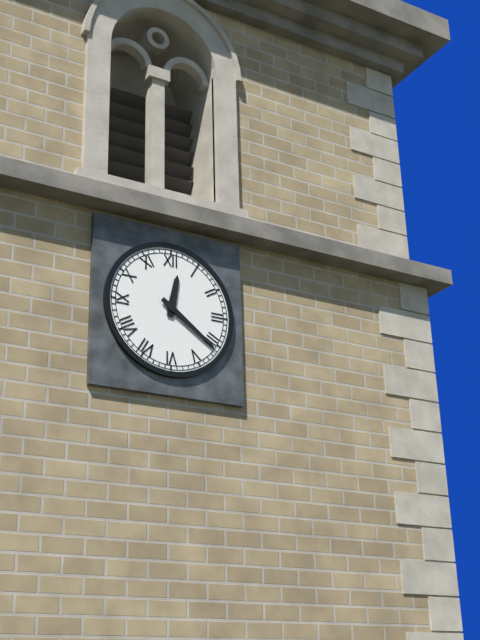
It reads 12h21
